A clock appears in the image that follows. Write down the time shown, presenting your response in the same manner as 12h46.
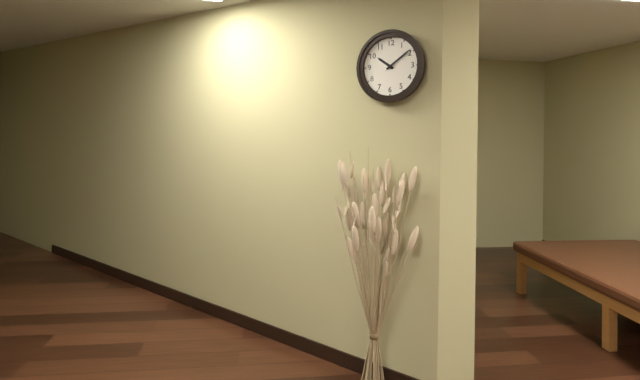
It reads 10h09
